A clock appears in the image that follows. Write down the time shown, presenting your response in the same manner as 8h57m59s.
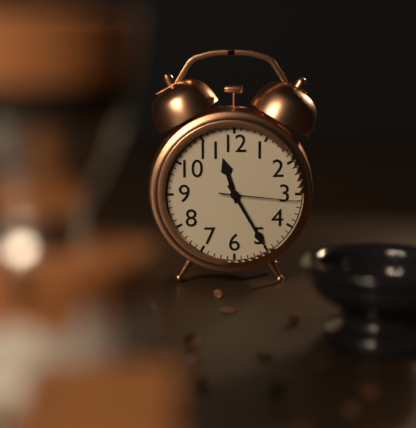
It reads 11h25m16s
